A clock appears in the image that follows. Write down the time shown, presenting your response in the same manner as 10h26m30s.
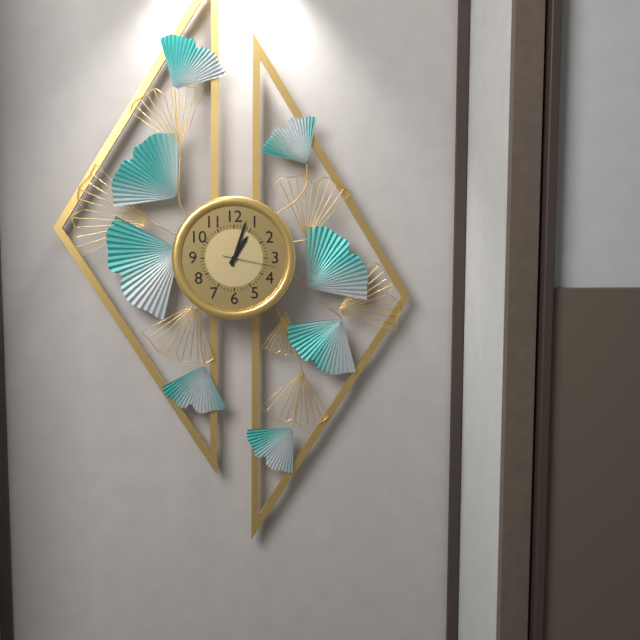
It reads 1h03m17s
